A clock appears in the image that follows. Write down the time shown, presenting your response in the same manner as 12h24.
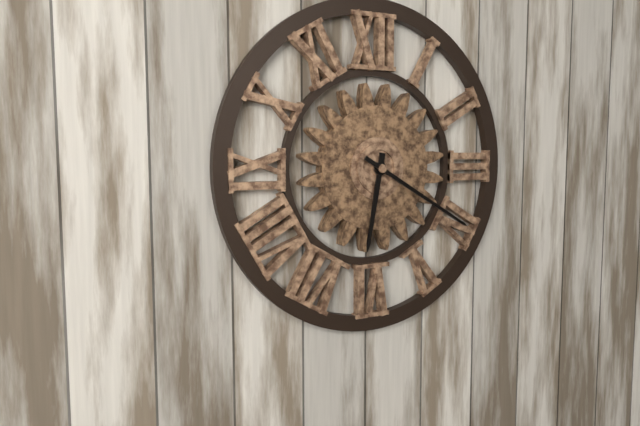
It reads 6h20
